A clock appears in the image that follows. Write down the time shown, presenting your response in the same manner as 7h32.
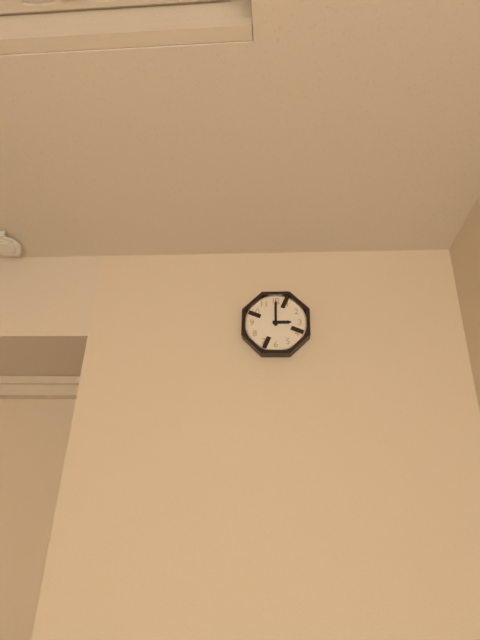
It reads 3h00
